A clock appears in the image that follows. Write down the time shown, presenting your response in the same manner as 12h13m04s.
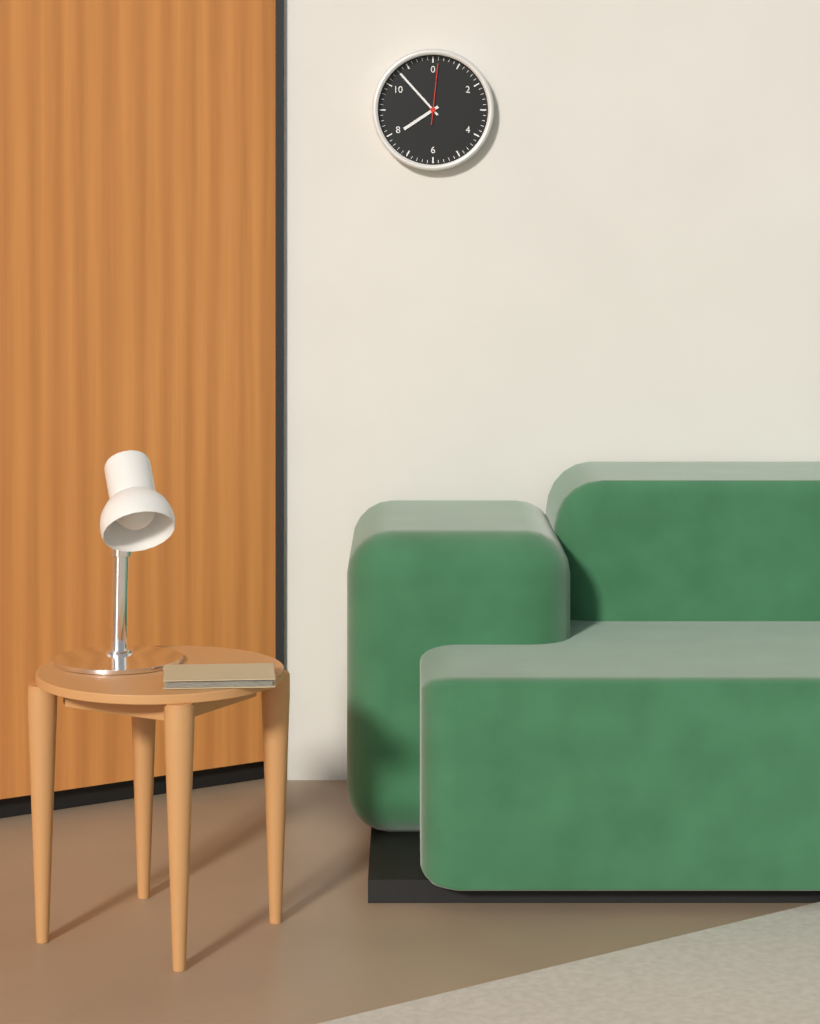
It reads 7h53m01s
